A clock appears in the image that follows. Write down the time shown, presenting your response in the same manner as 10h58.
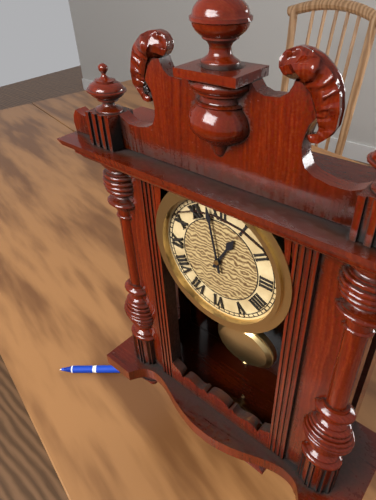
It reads 12h58
